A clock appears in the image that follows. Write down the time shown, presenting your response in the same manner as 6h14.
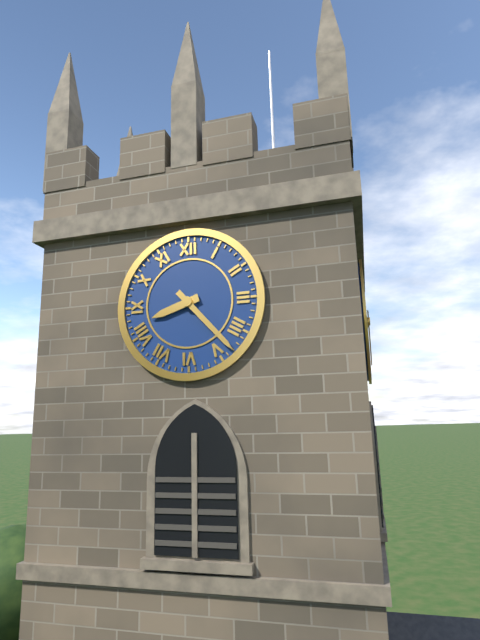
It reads 8h23
